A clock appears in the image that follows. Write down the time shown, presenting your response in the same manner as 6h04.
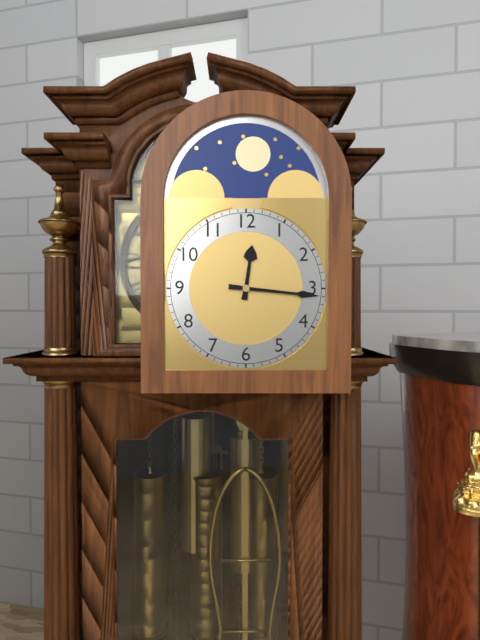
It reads 12h16
